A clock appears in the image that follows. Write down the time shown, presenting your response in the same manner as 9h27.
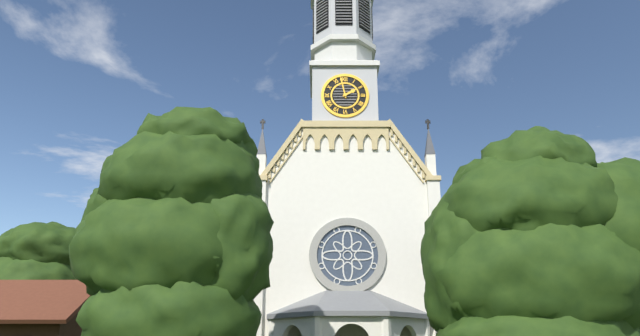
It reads 1h58
